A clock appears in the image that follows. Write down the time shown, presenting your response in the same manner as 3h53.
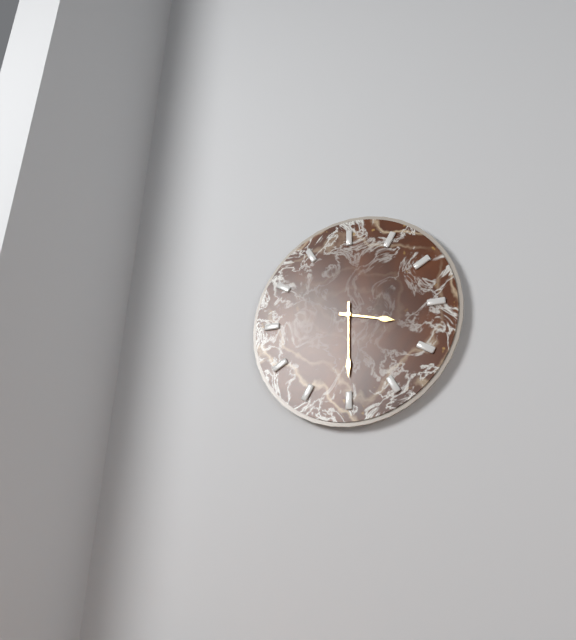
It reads 3h30
